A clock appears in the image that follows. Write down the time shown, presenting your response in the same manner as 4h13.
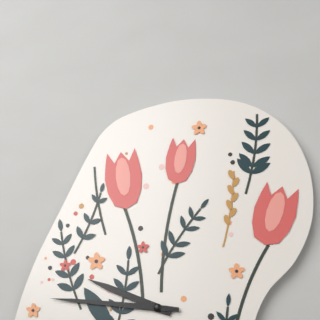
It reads 9h46
